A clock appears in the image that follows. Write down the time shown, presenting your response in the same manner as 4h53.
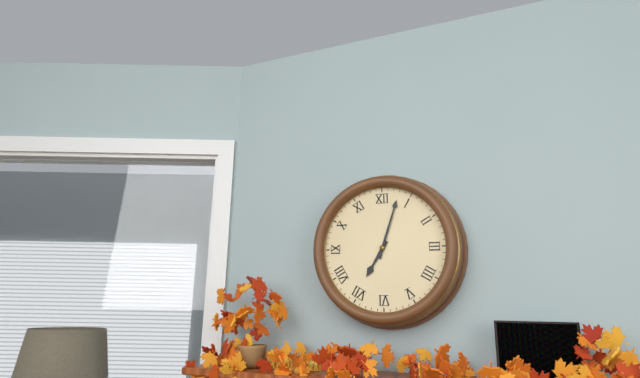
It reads 7h03
